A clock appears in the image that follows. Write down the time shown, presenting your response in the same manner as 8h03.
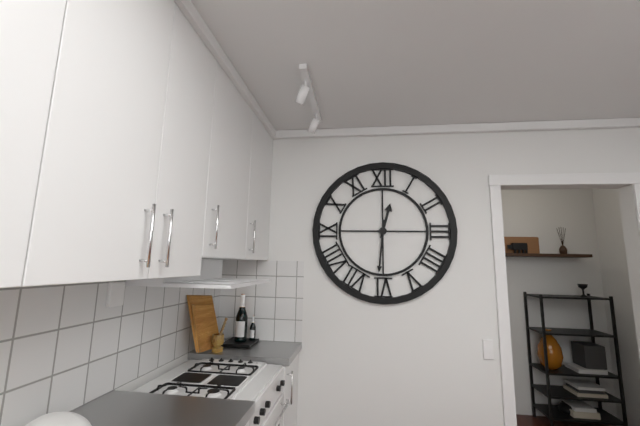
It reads 12h31
